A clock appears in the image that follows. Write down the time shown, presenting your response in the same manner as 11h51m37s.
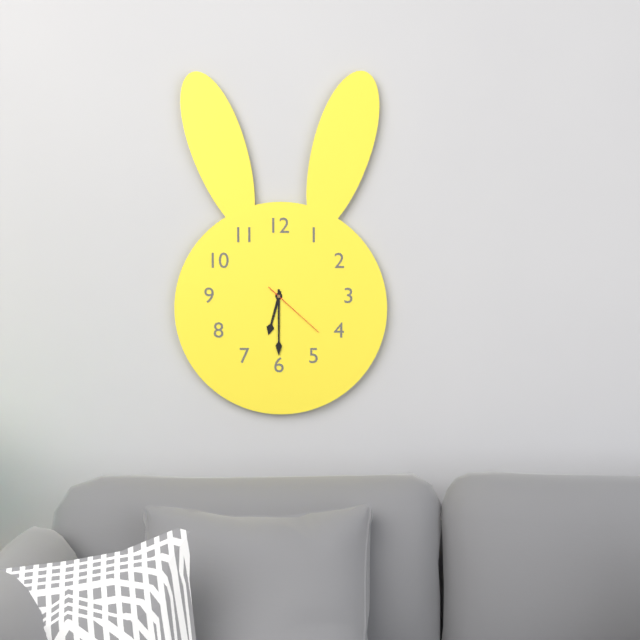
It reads 6h30m22s
